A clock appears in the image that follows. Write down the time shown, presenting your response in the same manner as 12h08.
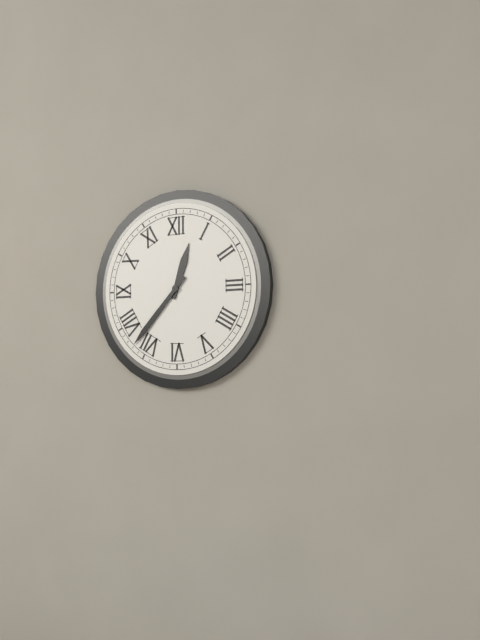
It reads 12h37
